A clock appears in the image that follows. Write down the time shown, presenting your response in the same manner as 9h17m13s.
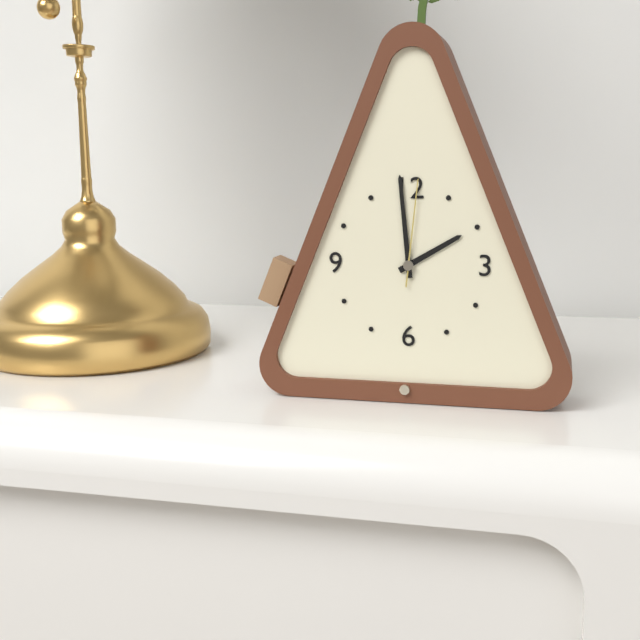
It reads 1h59m01s
